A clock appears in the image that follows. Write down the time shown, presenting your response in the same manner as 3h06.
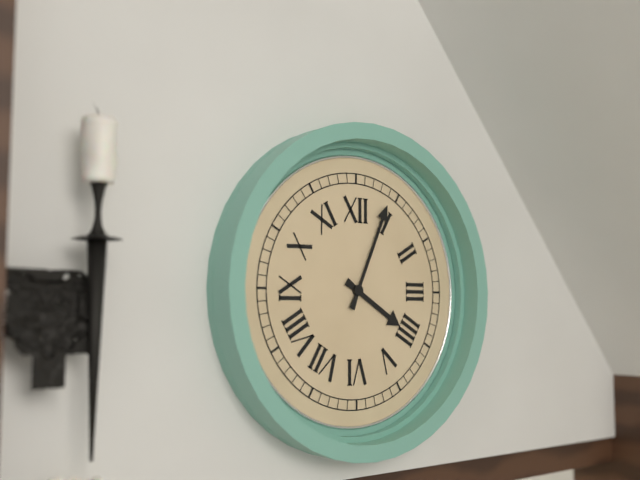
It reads 4h04
